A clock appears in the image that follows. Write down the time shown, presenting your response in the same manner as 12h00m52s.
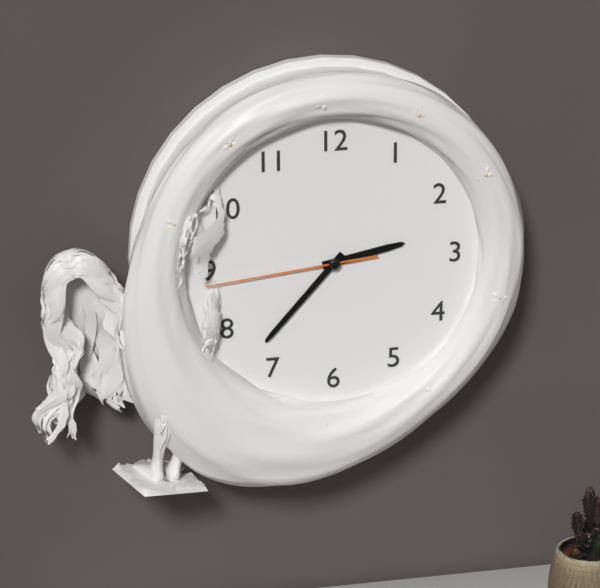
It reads 2h37m44s
